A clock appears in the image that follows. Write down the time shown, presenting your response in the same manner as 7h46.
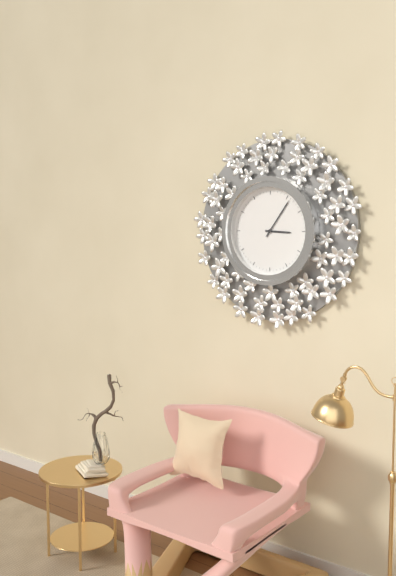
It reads 3h06
